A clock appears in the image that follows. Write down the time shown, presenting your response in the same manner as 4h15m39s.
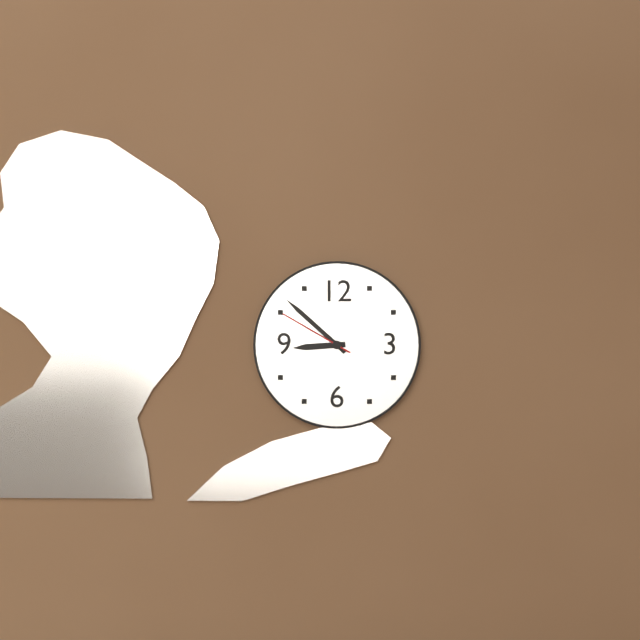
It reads 8h52m50s
